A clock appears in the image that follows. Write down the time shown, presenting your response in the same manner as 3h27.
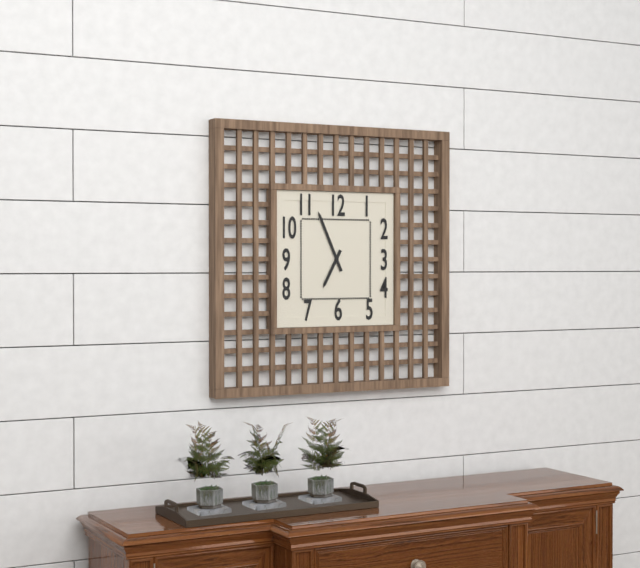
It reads 6h56
